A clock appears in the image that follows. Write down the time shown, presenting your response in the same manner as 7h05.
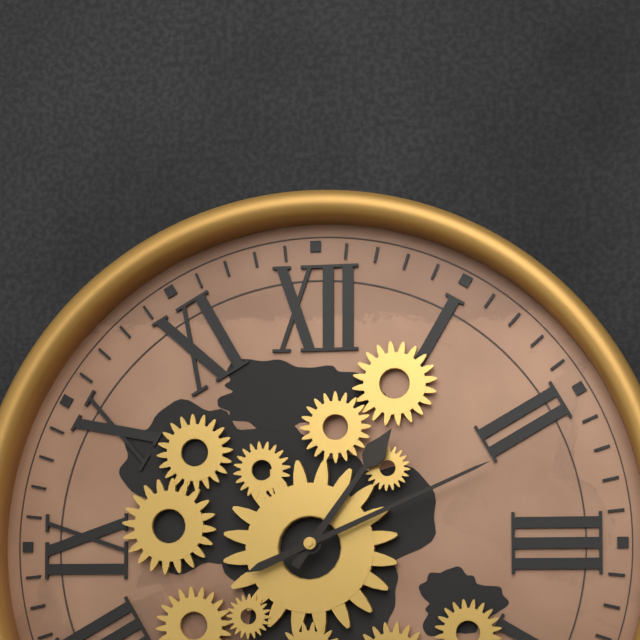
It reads 1h11
